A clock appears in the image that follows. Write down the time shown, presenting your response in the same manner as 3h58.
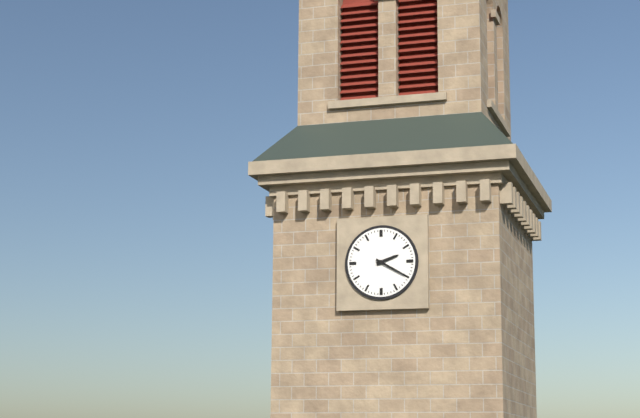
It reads 2h20
